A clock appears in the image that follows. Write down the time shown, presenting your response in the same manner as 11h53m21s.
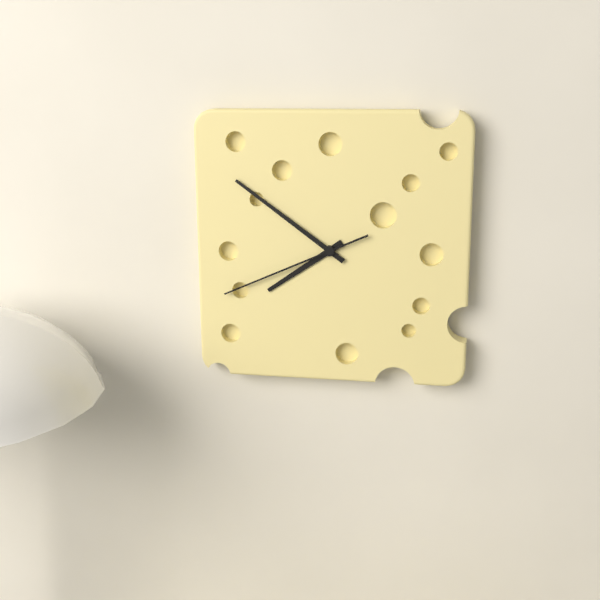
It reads 7h51m41s
